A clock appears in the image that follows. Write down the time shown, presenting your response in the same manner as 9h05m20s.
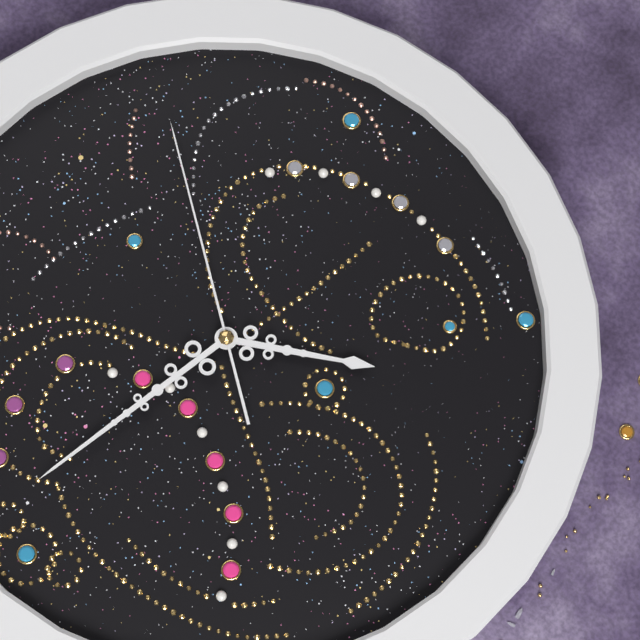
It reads 8h02m21s
